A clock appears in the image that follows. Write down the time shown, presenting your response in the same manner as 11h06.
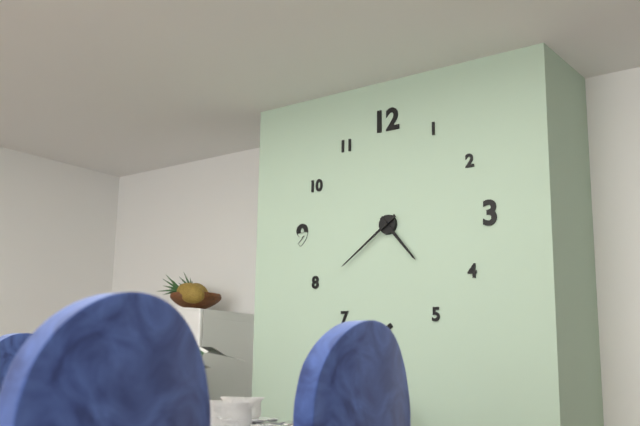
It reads 4h39
